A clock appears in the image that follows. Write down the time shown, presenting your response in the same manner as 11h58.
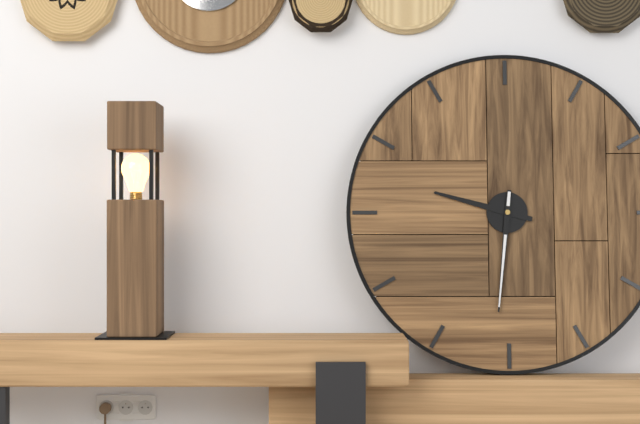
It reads 9h31
